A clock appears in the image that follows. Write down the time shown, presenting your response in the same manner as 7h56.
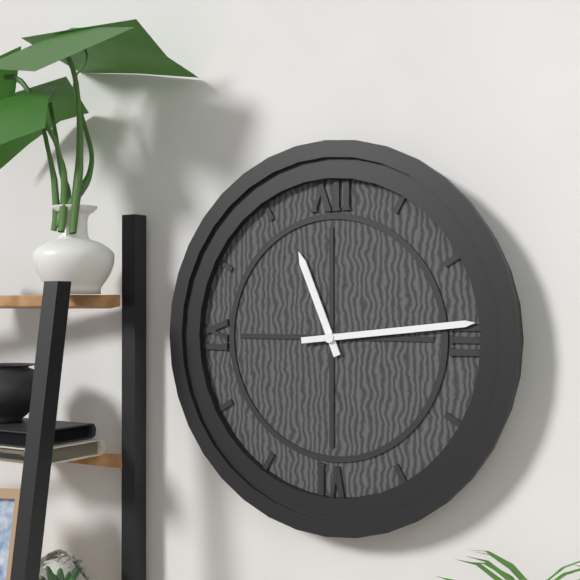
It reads 11h14
